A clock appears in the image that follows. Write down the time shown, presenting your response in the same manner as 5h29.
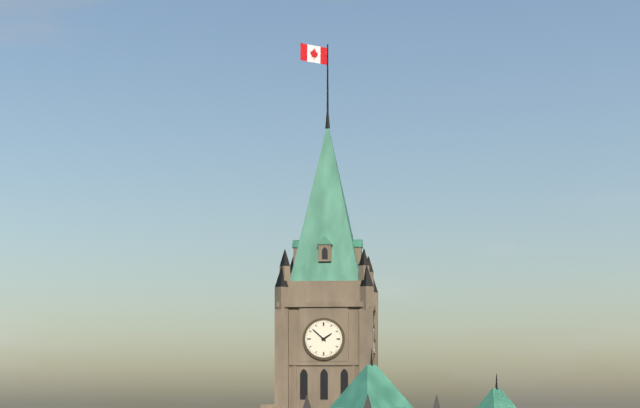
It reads 1h52
